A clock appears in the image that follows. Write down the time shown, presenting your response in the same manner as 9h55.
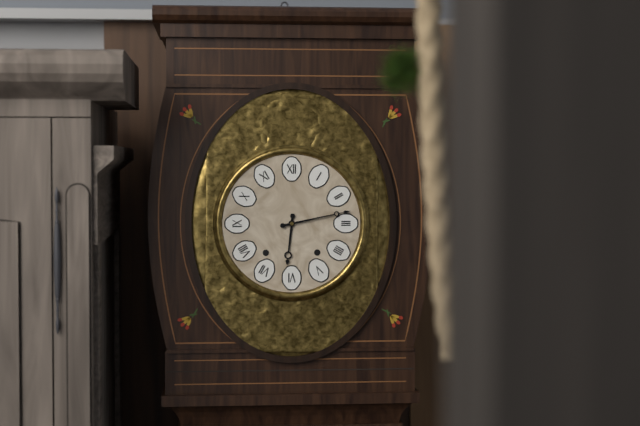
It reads 6h13
